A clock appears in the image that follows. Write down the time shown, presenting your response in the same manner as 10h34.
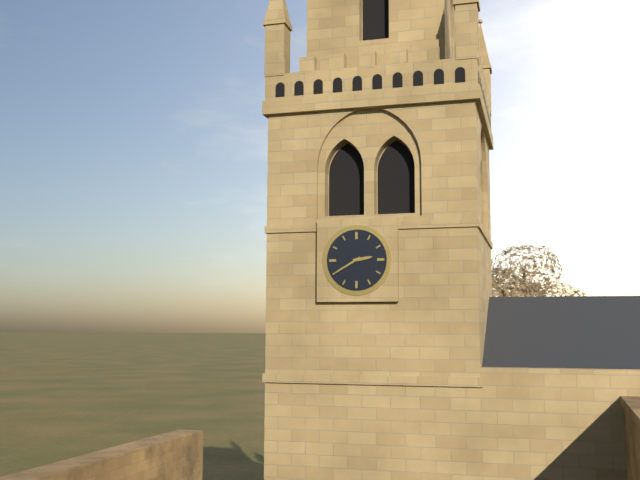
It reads 2h40
